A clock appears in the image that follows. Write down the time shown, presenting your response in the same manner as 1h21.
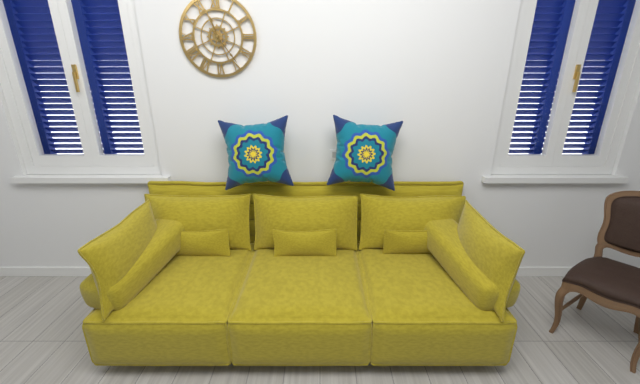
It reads 11h24
